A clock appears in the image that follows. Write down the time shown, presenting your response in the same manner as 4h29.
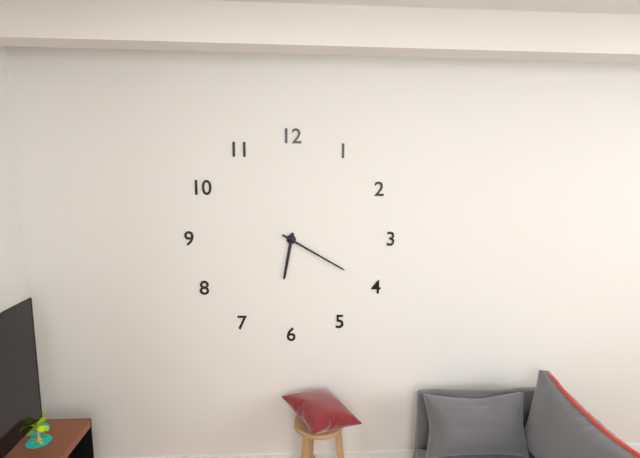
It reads 6h20
